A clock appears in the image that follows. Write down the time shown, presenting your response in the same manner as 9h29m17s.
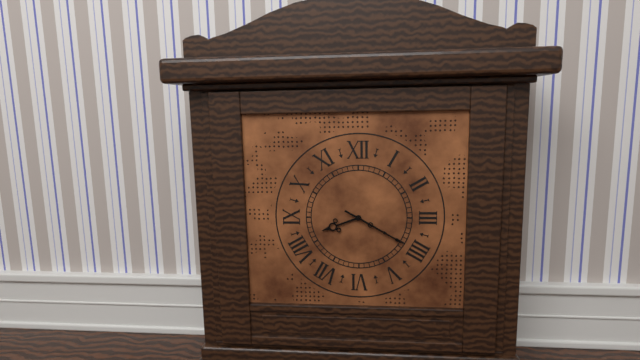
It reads 8h20m20s
